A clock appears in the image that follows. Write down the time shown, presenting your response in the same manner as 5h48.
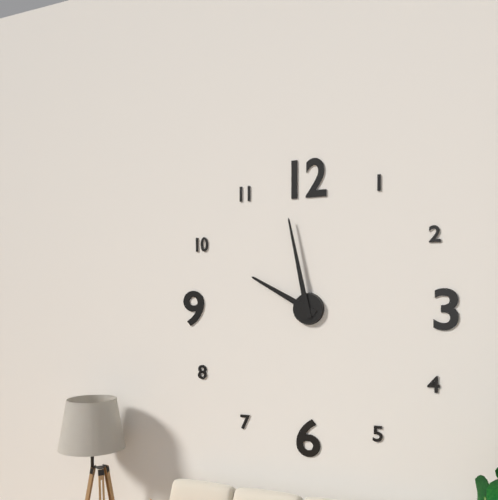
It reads 9h58
